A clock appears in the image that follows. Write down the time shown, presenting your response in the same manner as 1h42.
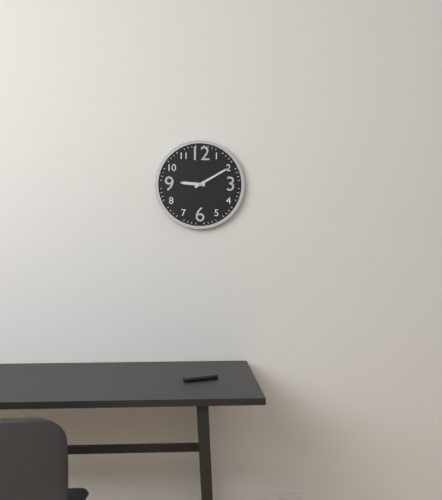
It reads 9h10
